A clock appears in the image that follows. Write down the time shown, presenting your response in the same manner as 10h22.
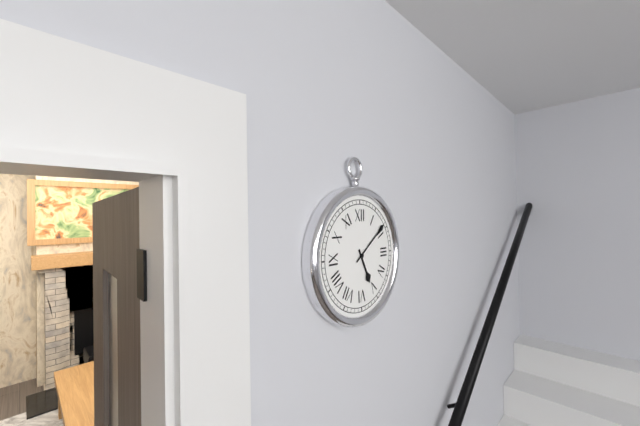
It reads 5h09
